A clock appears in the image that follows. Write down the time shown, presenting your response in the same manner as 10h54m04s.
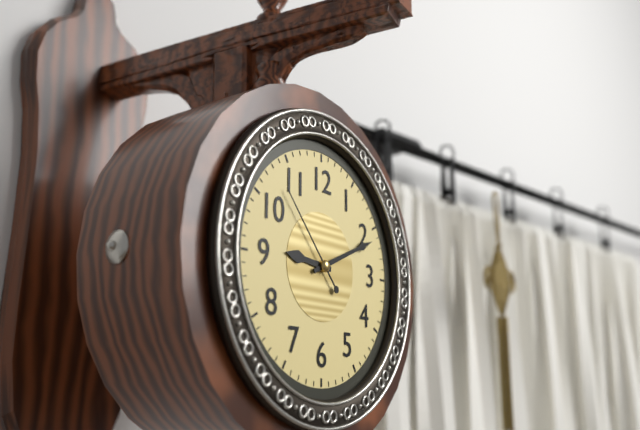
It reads 9h11m53s
